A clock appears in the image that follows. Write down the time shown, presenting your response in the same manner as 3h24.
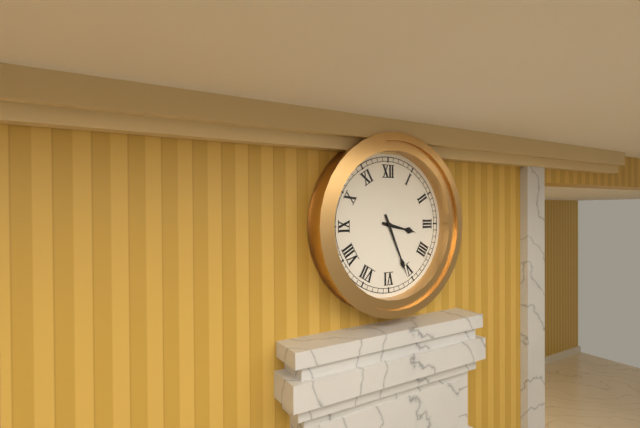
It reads 3h26
